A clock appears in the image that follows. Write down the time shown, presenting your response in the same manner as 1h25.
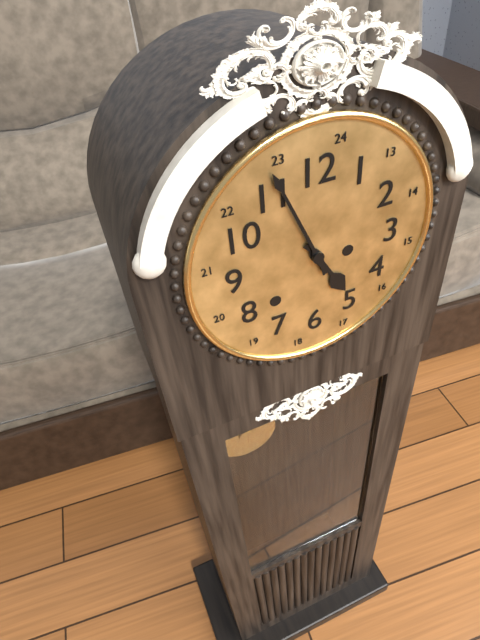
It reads 4h56
